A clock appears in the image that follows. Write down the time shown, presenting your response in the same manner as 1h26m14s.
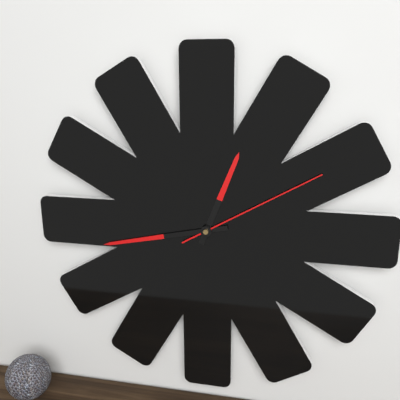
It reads 12h43m10s
